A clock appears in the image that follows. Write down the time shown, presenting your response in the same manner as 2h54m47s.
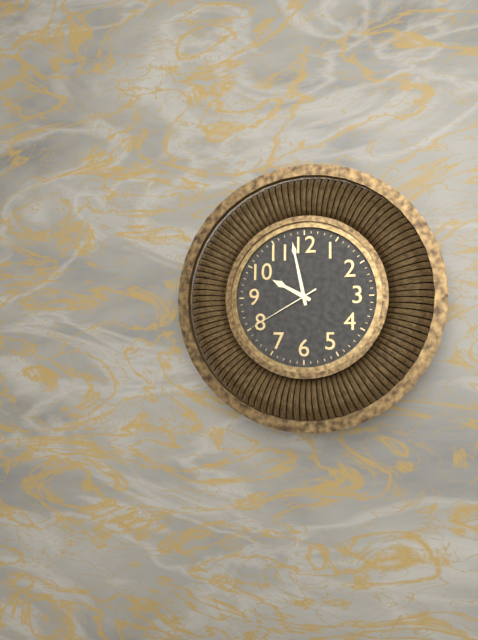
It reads 9h58m40s
